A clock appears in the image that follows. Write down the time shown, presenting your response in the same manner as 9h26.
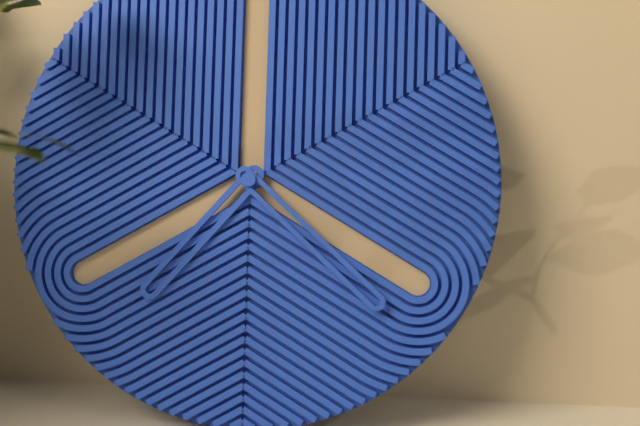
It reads 7h22
